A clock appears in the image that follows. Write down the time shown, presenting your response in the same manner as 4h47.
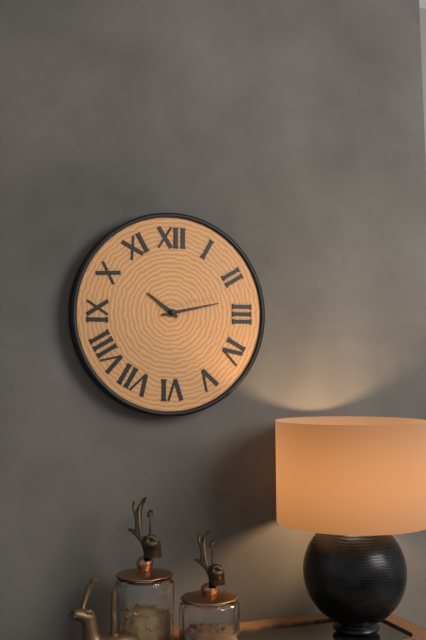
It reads 10h13
